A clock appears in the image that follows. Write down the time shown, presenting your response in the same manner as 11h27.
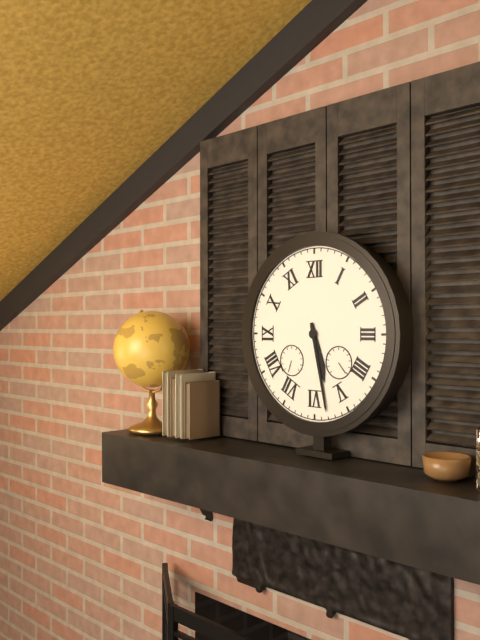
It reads 5h28
